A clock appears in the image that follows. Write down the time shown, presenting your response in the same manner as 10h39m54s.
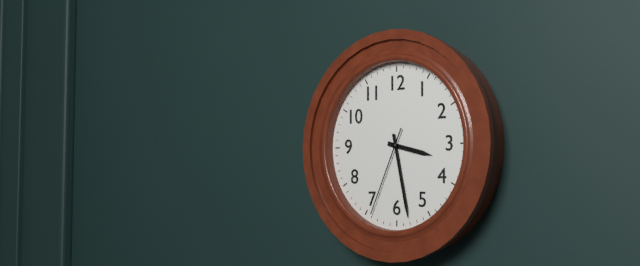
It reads 3h28m34s
